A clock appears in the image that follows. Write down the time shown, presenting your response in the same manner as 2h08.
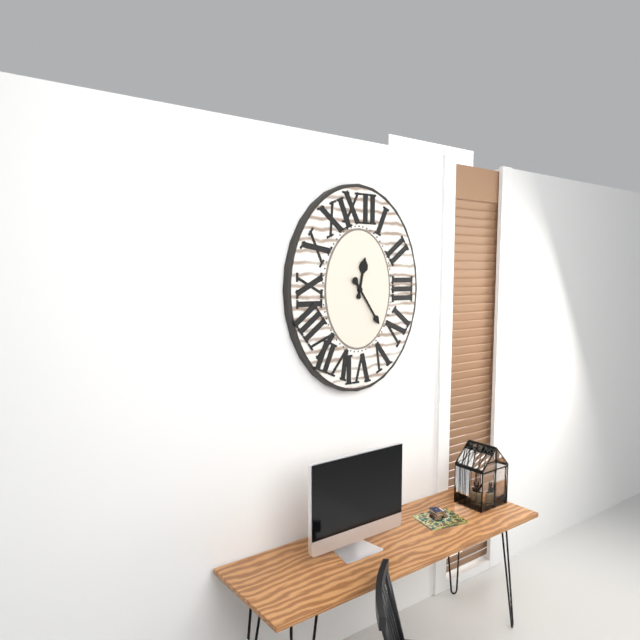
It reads 12h24
